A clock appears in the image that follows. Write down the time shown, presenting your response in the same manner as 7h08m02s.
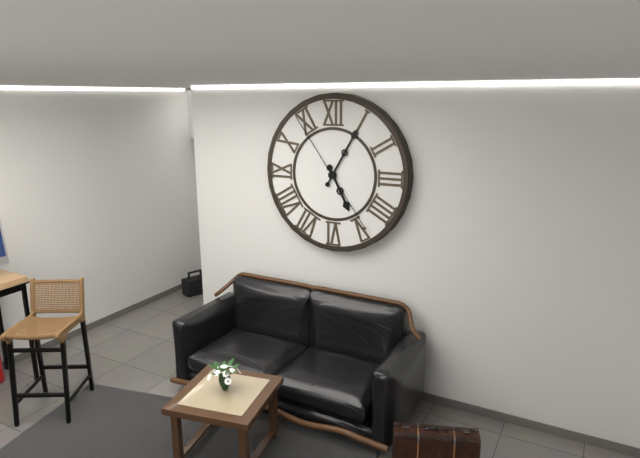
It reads 5h05m54s
